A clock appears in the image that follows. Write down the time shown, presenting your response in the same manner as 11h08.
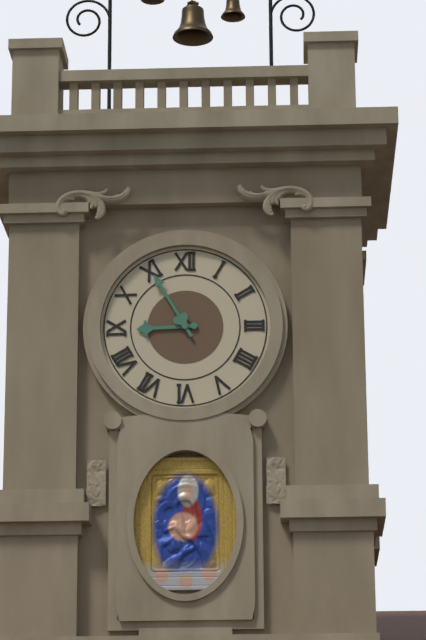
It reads 8h55
